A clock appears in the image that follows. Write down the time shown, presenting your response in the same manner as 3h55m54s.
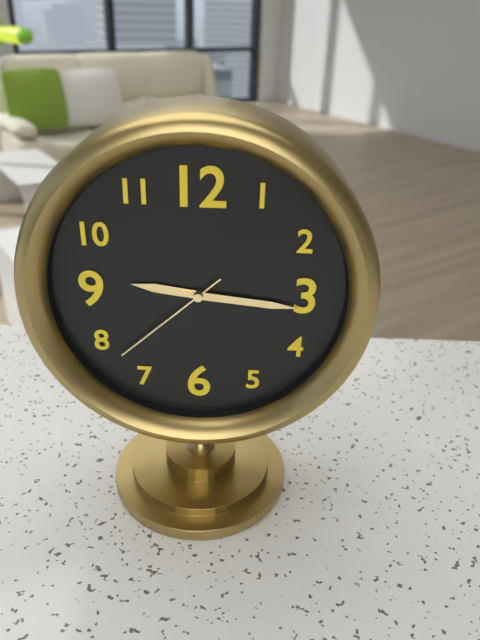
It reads 9h16m38s
